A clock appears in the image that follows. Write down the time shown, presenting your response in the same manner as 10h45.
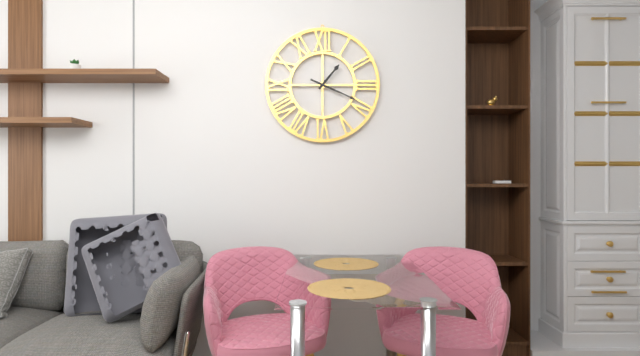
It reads 1h19
